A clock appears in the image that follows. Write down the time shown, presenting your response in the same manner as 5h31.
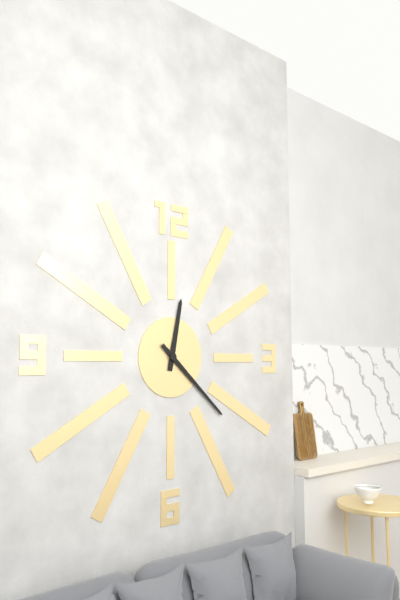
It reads 12h22
